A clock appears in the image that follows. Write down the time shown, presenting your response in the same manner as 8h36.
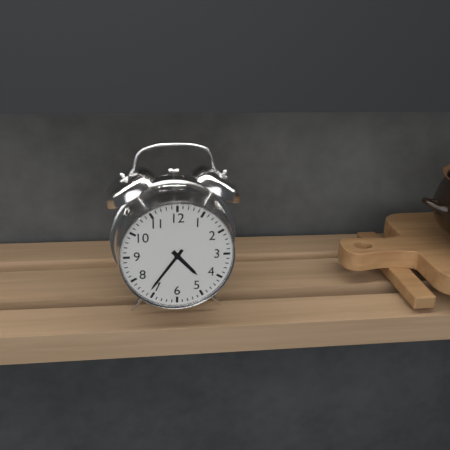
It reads 4h36
